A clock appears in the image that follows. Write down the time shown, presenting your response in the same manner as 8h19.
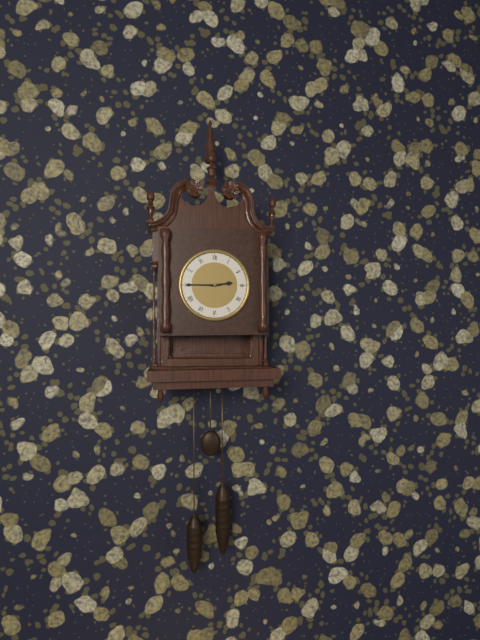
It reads 2h45
